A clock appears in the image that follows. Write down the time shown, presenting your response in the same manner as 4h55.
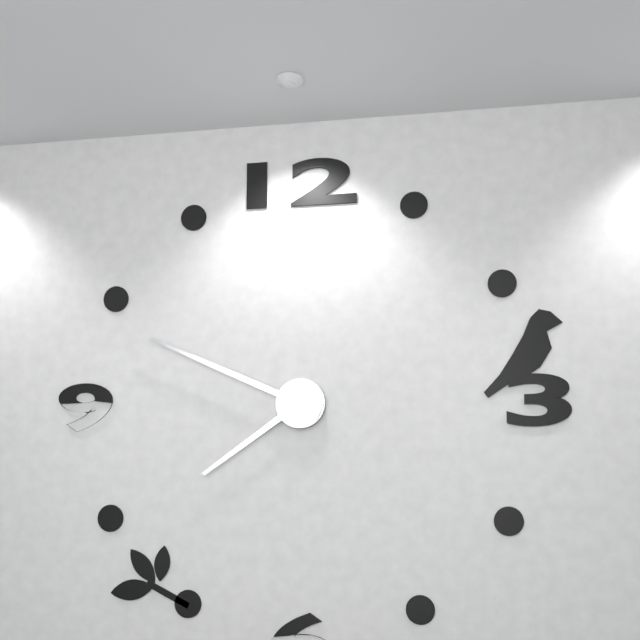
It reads 7h49
